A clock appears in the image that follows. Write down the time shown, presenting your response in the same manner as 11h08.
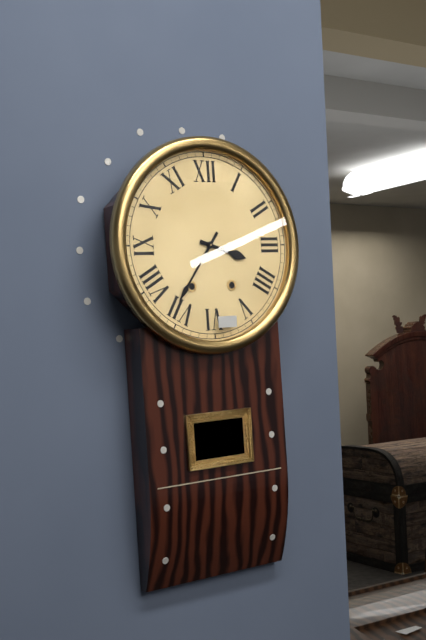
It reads 3h36
